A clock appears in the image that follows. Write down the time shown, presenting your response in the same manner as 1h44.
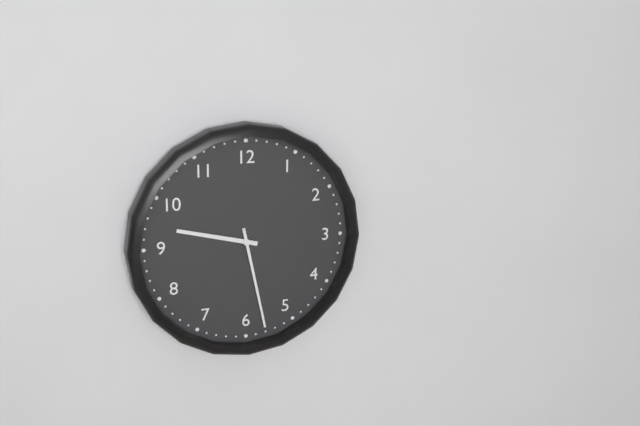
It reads 9h28
